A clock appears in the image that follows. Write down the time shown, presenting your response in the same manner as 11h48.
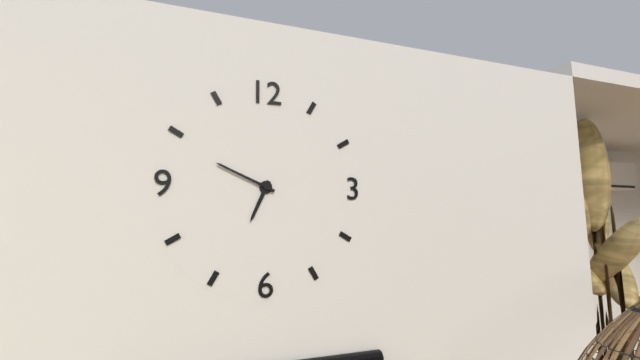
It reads 6h49
